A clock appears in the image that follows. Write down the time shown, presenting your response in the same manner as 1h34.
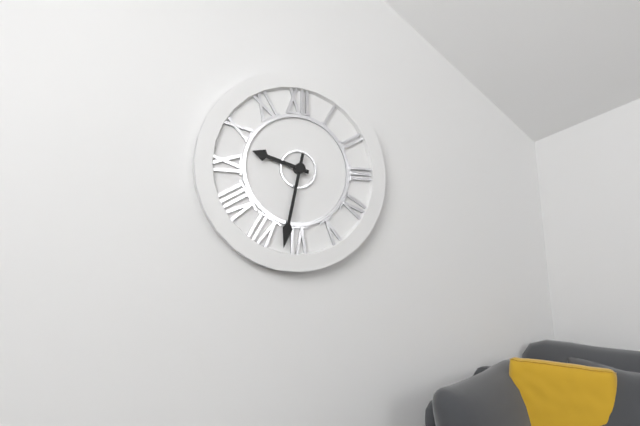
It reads 9h32
